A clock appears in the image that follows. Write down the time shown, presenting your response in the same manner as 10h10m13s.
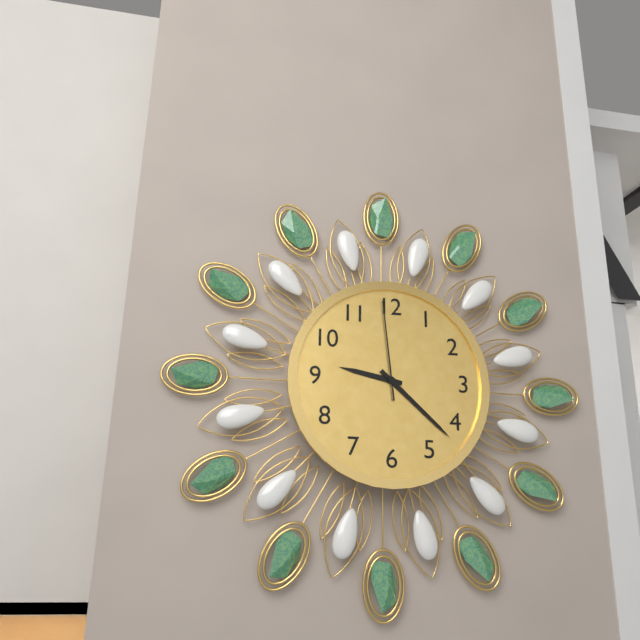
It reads 9h22m59s
